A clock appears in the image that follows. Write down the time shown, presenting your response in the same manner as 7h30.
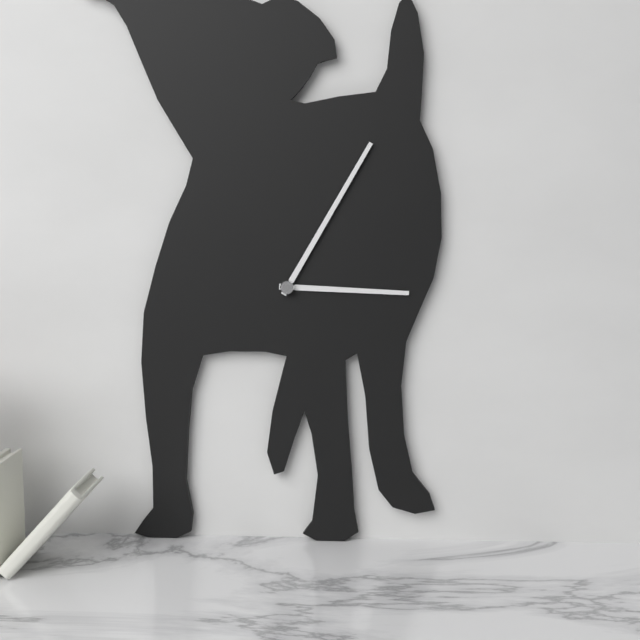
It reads 3h05
